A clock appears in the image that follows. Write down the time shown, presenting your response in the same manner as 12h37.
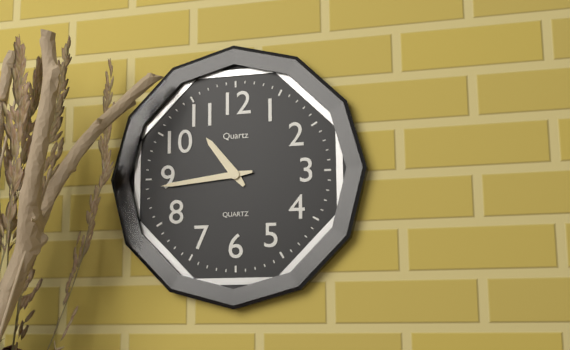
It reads 10h44
